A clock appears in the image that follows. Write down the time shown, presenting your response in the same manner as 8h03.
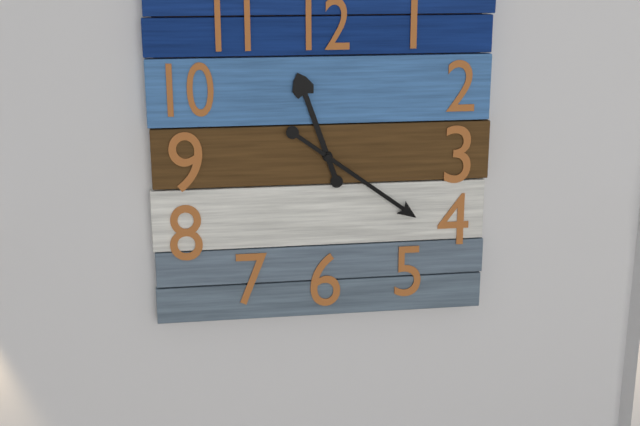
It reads 11h21
